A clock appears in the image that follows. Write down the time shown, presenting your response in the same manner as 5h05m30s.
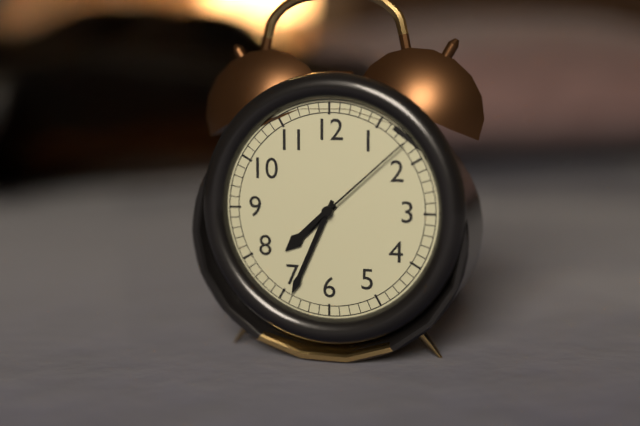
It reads 7h34m08s
